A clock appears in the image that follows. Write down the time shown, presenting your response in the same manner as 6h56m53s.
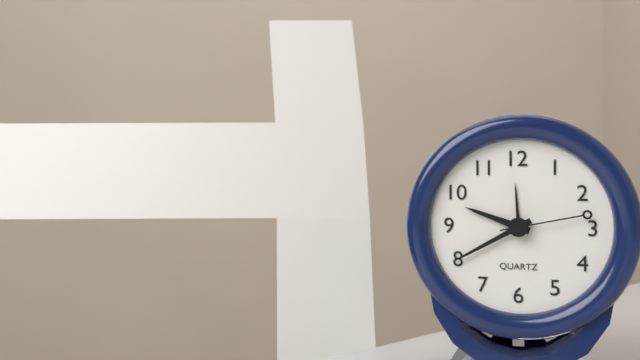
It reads 9h40m13s
